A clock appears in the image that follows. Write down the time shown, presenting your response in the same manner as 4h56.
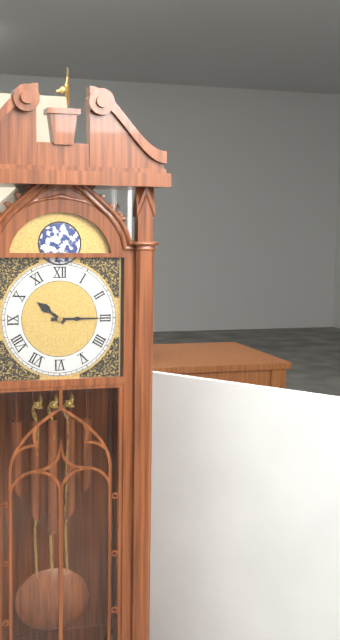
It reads 10h15
